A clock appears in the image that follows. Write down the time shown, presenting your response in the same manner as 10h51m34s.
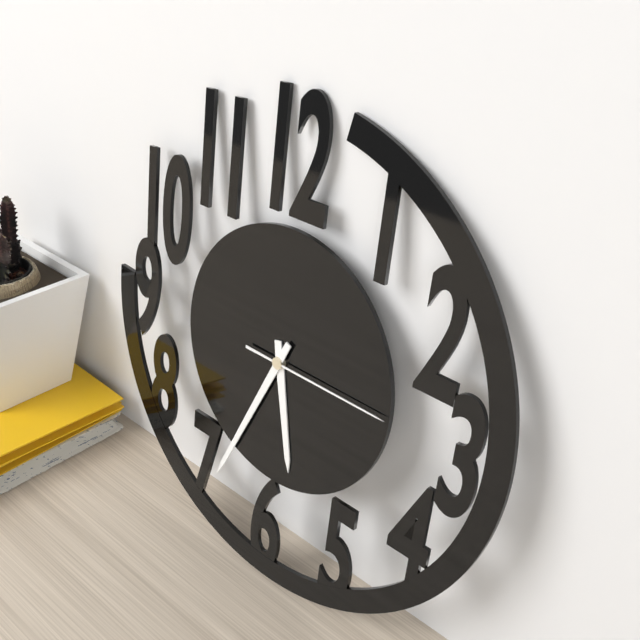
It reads 5h34m15s
